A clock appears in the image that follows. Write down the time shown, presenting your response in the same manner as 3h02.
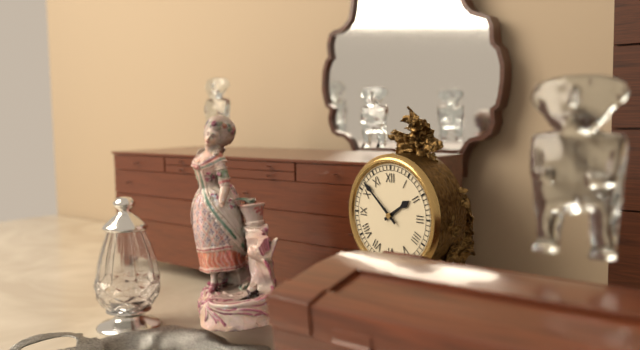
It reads 1h52
